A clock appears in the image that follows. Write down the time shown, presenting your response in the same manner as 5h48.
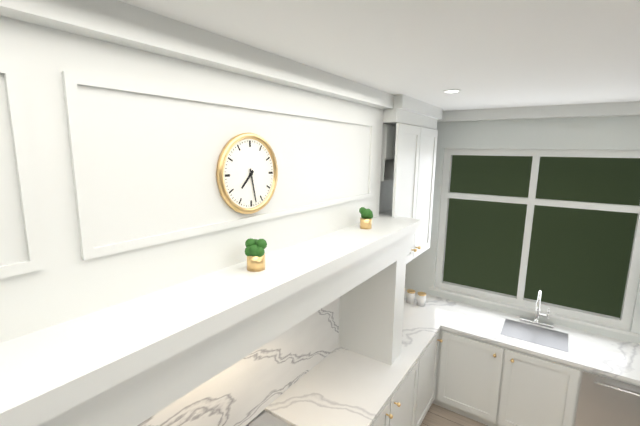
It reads 7h28
